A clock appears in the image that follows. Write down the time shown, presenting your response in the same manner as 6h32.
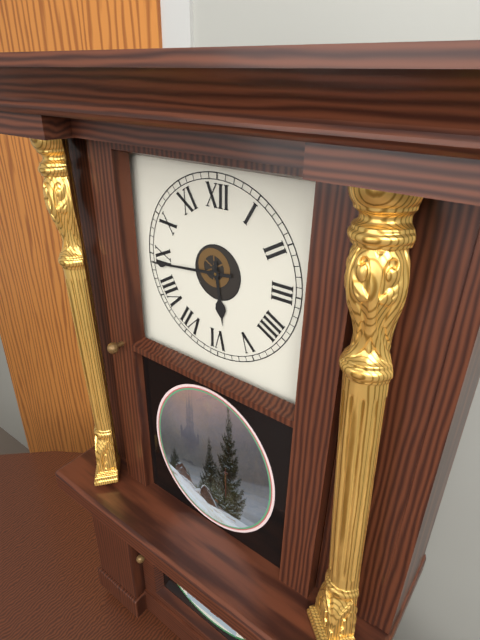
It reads 5h44
